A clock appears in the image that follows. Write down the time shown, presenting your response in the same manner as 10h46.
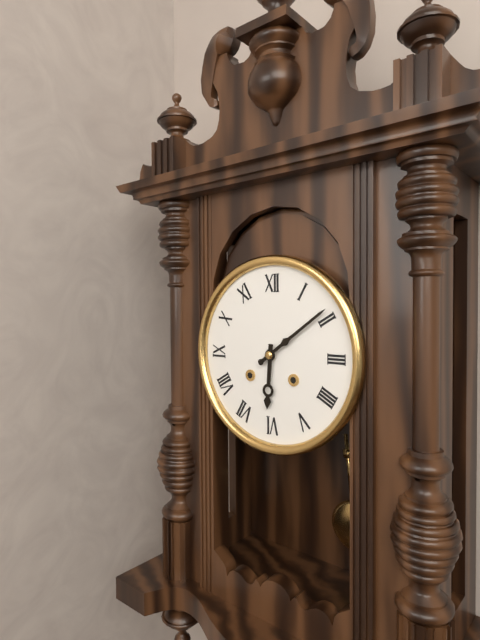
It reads 6h09
